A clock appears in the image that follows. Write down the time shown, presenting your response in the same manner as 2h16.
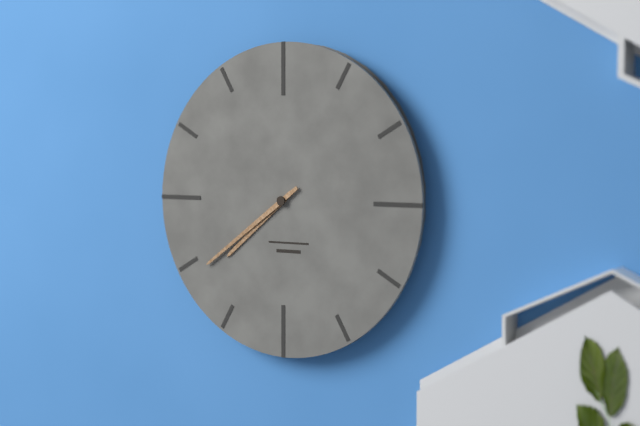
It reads 7h39
